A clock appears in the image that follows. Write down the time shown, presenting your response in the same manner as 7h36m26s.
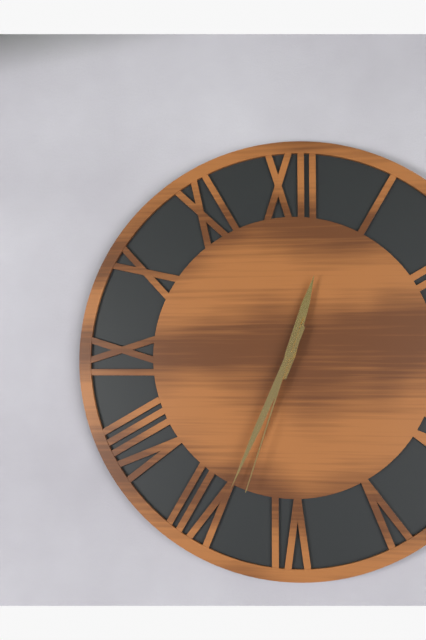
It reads 12h34m33s
